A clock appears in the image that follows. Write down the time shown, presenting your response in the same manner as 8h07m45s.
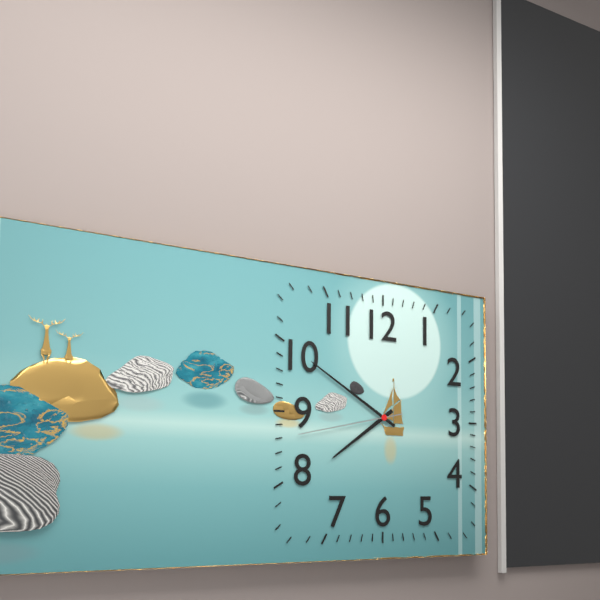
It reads 7h50m43s
